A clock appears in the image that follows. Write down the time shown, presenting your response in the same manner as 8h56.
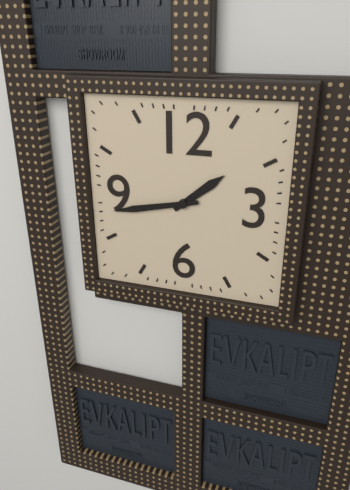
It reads 1h43
